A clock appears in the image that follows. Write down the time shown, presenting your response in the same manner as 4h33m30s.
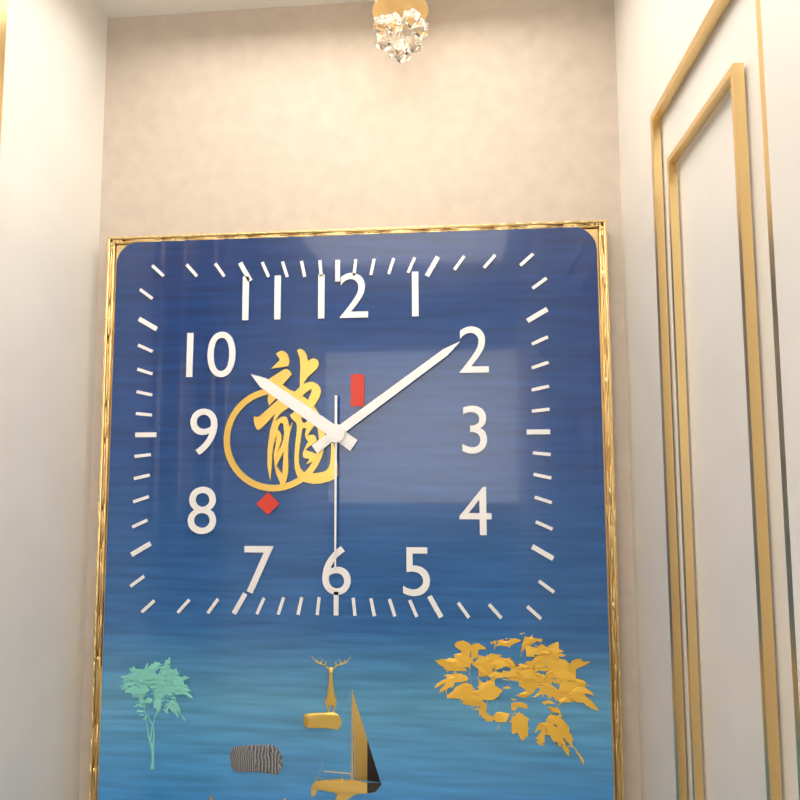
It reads 10h09m30s
